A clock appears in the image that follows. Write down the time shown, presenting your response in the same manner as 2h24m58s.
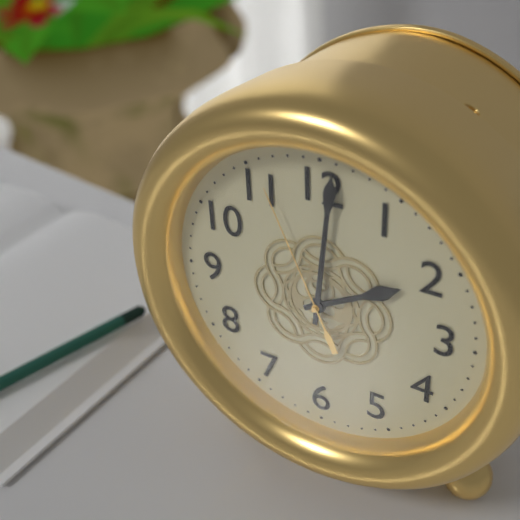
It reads 2h01m56s
